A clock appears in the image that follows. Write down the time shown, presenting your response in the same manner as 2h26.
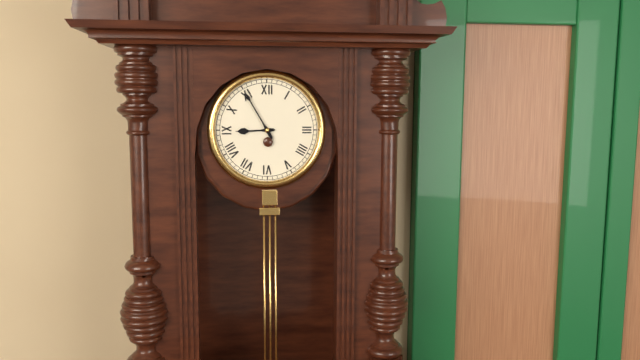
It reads 8h55
